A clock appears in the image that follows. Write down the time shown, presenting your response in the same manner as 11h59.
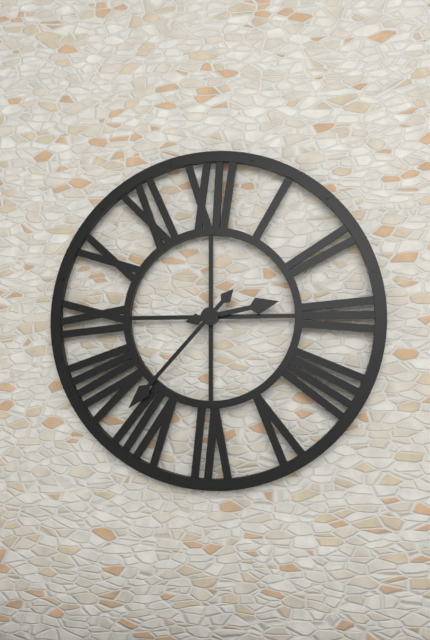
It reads 2h37
